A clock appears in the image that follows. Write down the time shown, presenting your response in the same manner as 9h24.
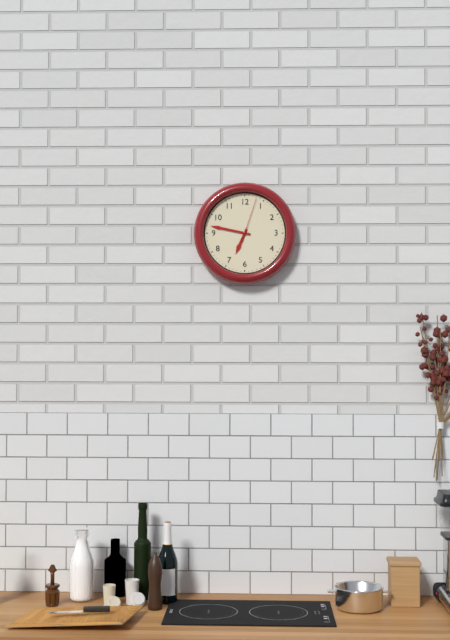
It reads 6h47
